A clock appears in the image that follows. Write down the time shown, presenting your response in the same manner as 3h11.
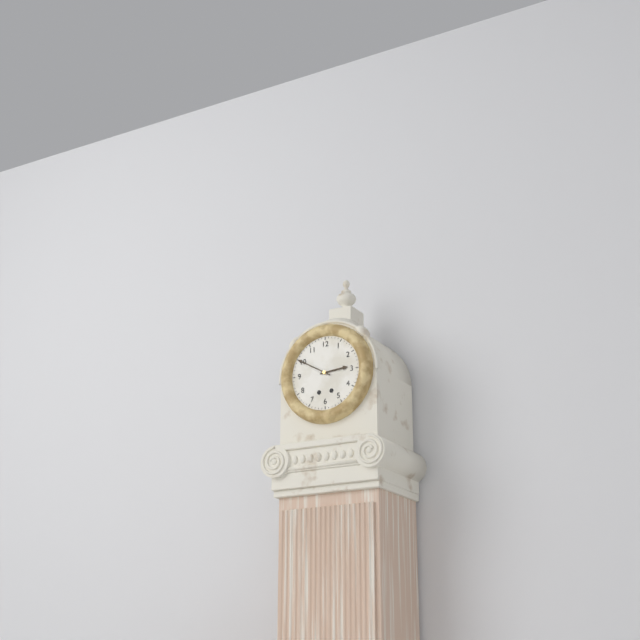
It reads 2h50
